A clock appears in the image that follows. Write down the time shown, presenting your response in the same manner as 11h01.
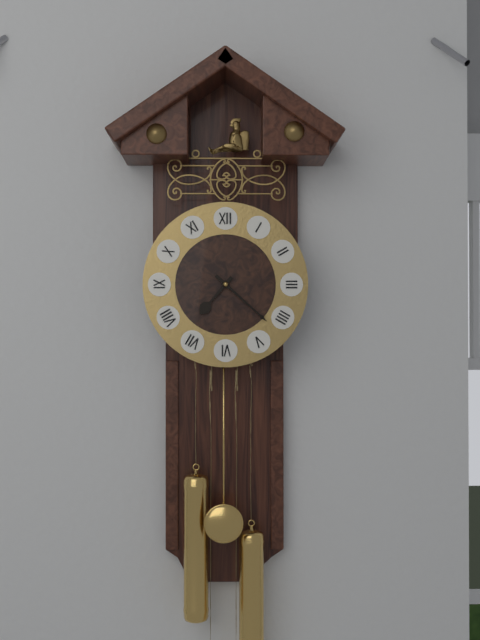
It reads 7h22
